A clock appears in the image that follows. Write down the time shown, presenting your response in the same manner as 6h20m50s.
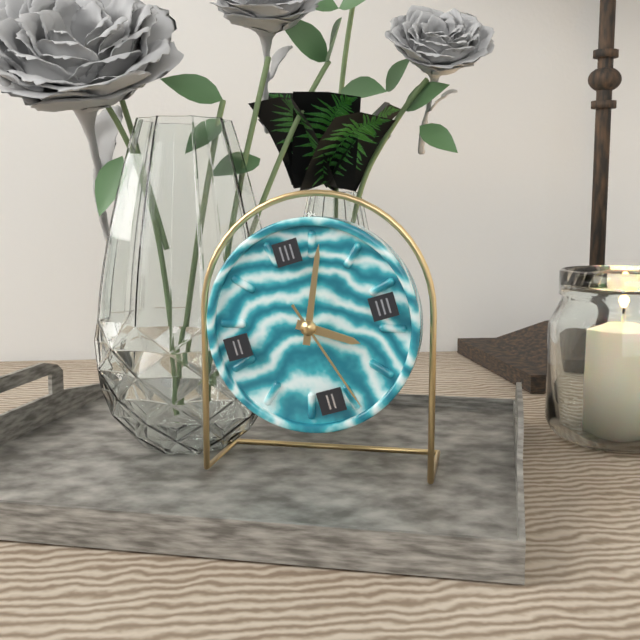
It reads 4h04m27s
